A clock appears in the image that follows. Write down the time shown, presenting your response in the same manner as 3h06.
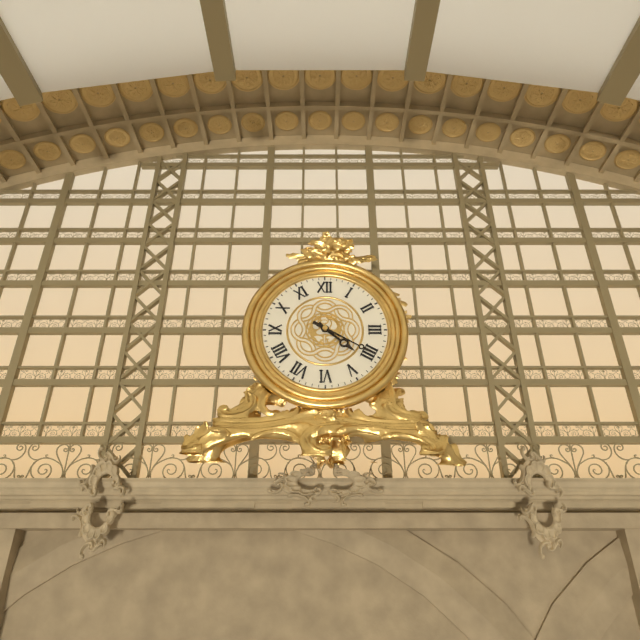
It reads 4h20
